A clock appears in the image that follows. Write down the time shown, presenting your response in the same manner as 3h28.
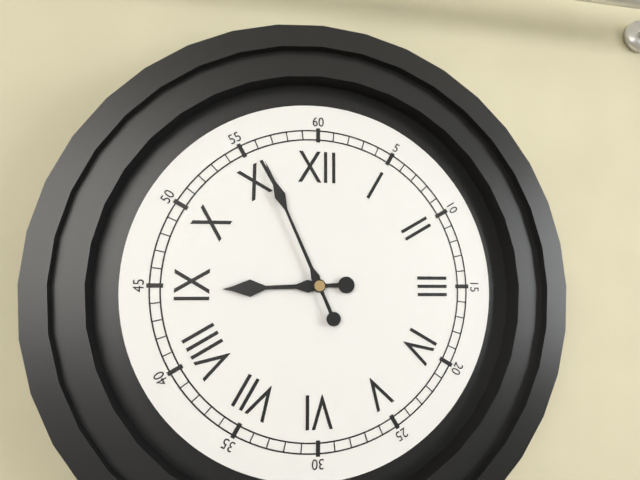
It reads 8h56
